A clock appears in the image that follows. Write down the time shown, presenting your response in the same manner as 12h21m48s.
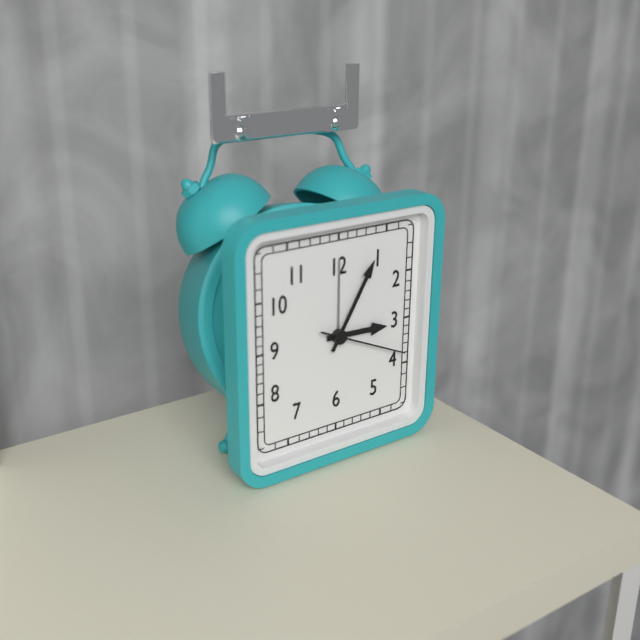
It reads 3h05m19s
